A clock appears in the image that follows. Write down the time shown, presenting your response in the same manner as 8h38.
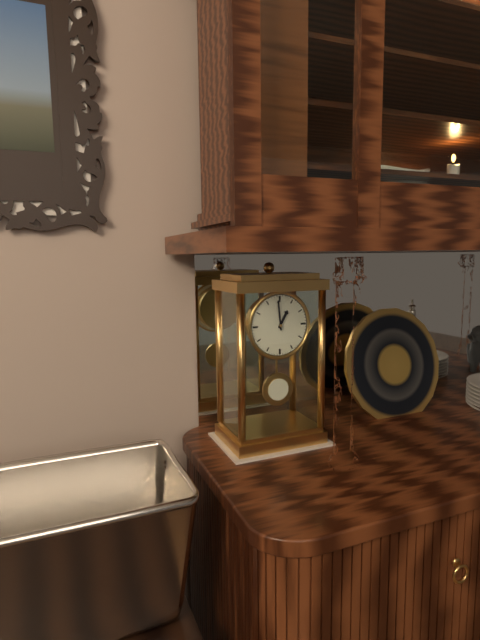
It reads 12h59
